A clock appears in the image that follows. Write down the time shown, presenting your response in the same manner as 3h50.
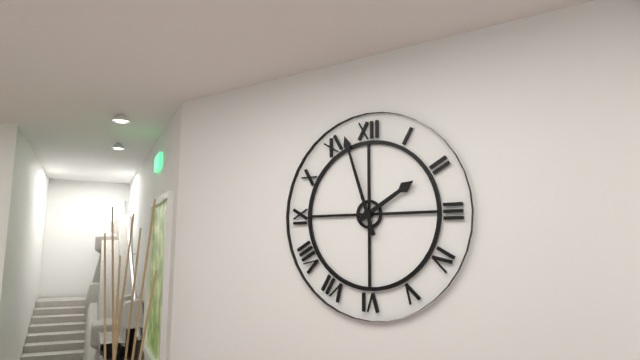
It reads 1h57
